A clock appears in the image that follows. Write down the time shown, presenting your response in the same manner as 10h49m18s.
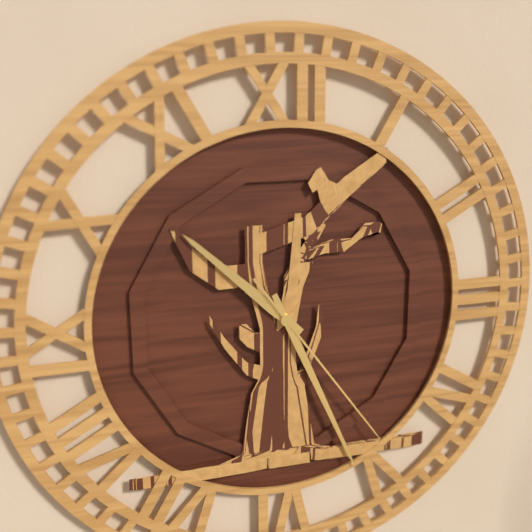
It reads 10h26m24s
